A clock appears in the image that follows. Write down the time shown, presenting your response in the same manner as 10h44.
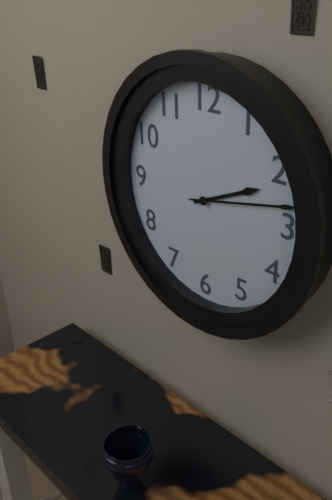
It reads 2h13
